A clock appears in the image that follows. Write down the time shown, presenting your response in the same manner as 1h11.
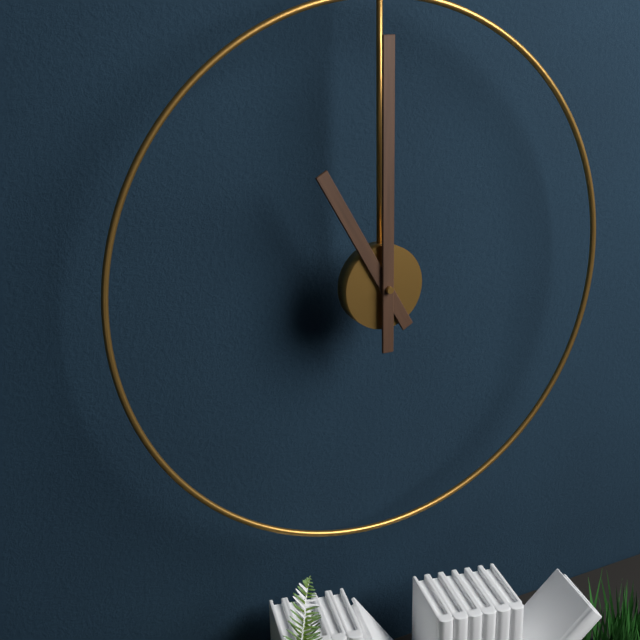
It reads 11h00
